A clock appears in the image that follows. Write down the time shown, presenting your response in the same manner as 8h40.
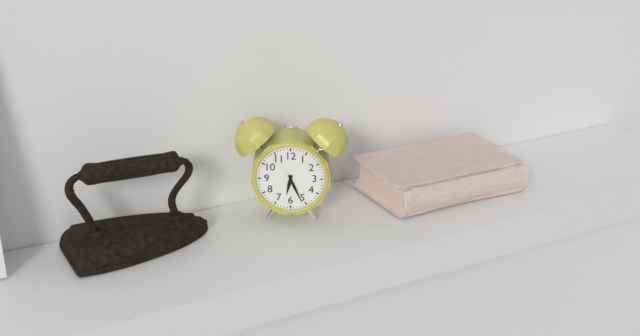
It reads 6h26
